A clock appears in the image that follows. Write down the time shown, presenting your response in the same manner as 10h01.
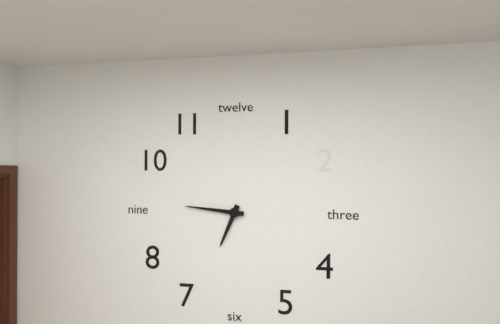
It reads 6h46
